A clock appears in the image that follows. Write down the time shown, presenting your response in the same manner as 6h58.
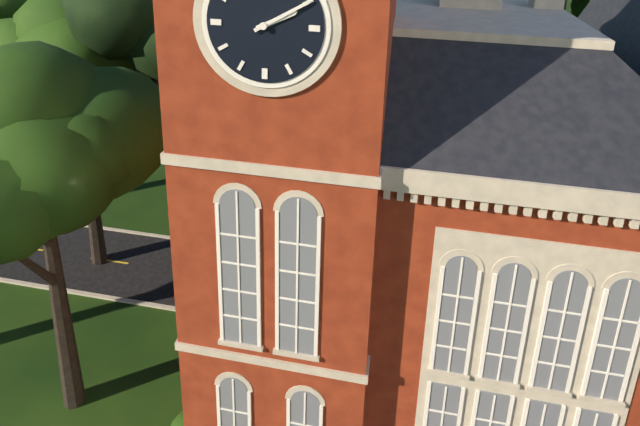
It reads 2h10
